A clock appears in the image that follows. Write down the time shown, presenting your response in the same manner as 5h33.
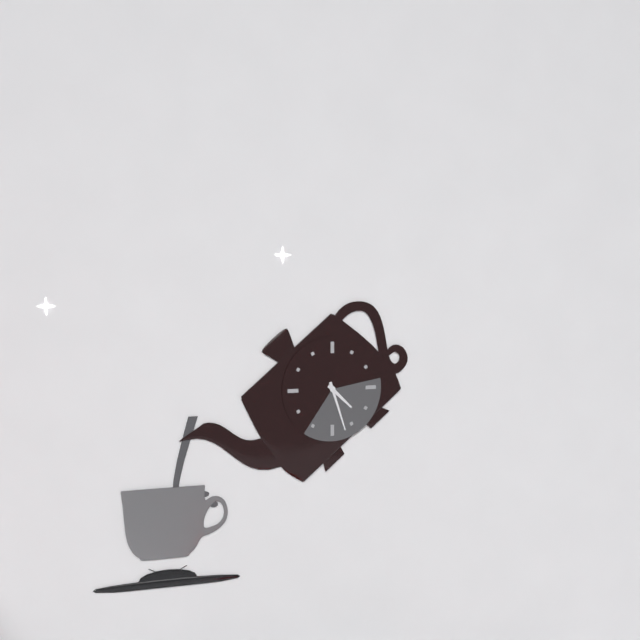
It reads 4h27
